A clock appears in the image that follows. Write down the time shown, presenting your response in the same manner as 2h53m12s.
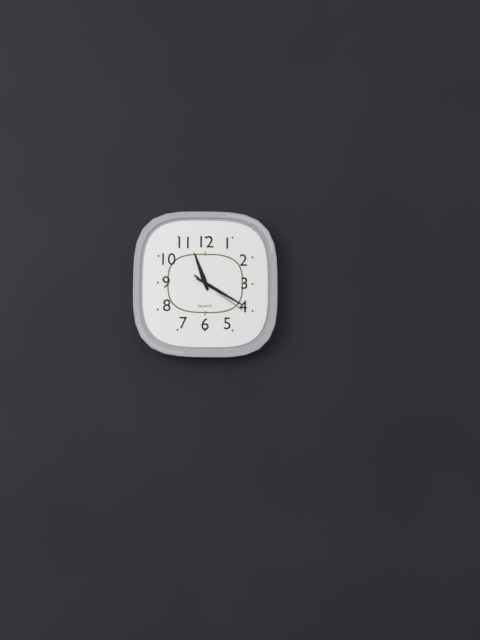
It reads 11h20m21s
